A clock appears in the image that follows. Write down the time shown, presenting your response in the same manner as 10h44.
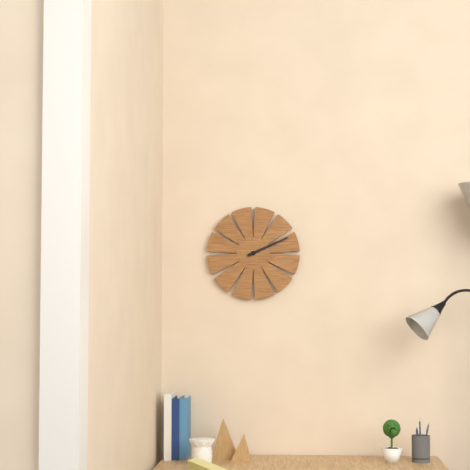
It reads 2h11
